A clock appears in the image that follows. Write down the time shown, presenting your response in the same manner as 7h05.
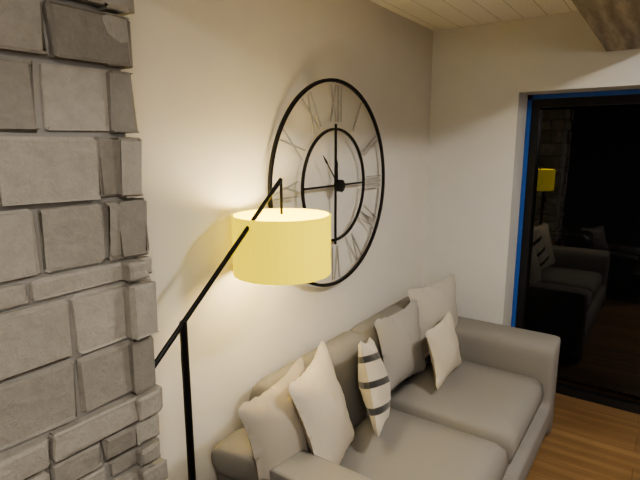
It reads 11h53
